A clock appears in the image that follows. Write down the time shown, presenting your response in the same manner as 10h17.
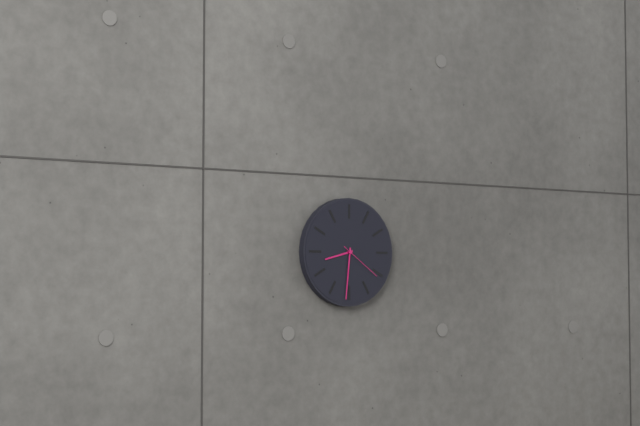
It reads 8h31
